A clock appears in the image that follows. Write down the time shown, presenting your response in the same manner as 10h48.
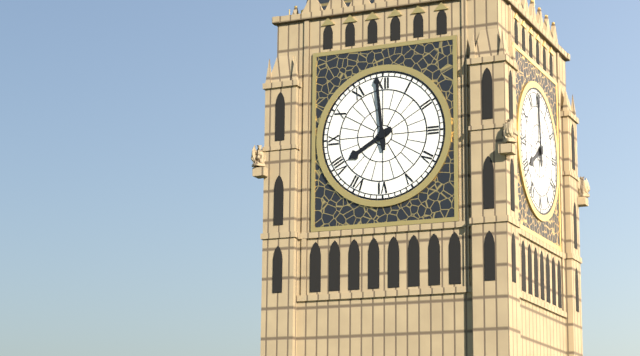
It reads 7h59
